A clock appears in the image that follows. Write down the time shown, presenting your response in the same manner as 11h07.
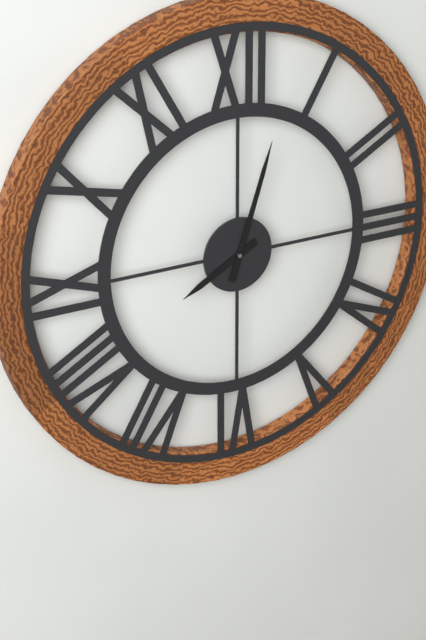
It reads 8h03
